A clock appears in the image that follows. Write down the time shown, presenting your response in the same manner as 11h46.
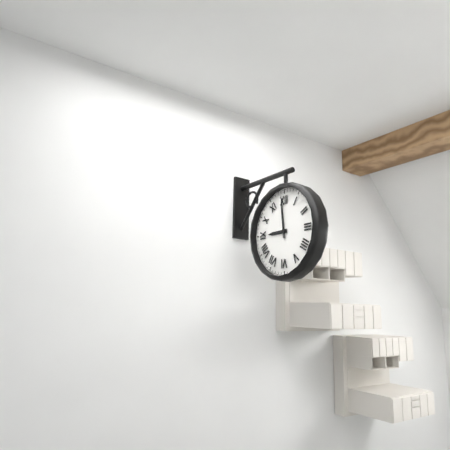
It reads 8h59
